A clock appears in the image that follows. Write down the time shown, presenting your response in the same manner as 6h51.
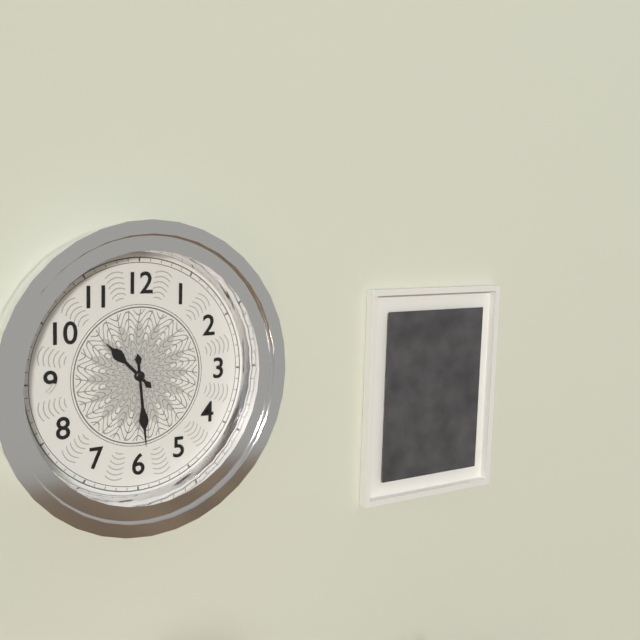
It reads 10h29
